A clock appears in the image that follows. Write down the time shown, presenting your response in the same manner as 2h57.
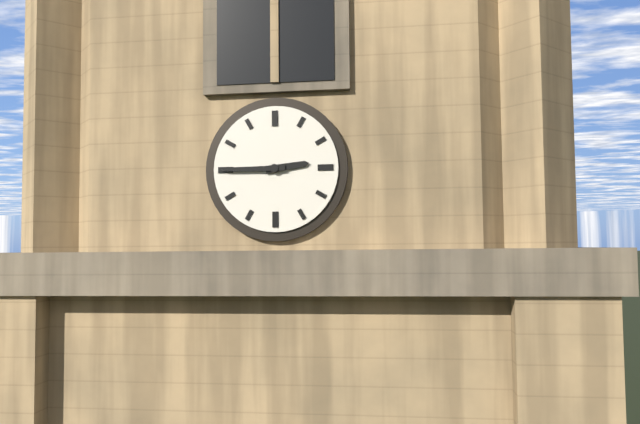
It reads 2h45
